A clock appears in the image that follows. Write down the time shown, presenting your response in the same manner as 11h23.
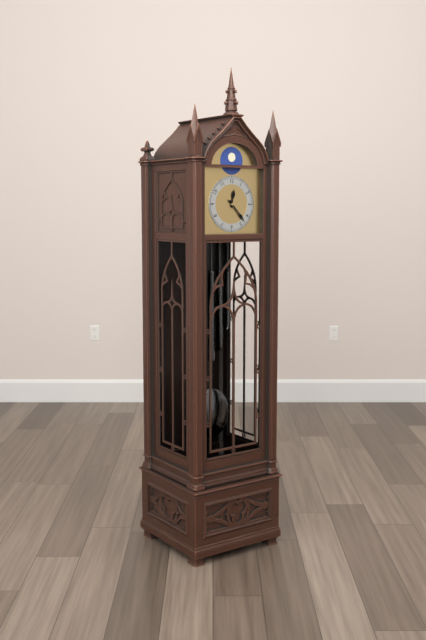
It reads 12h23
